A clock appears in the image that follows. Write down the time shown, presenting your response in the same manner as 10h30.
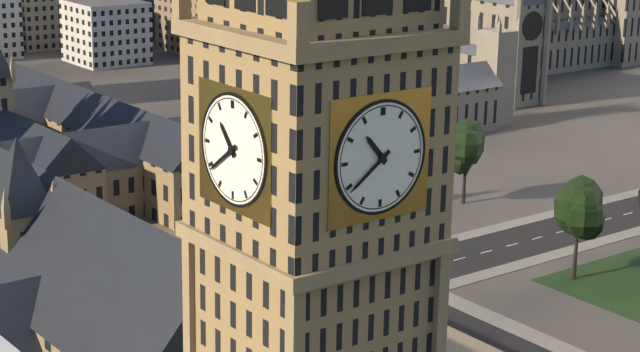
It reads 10h39
